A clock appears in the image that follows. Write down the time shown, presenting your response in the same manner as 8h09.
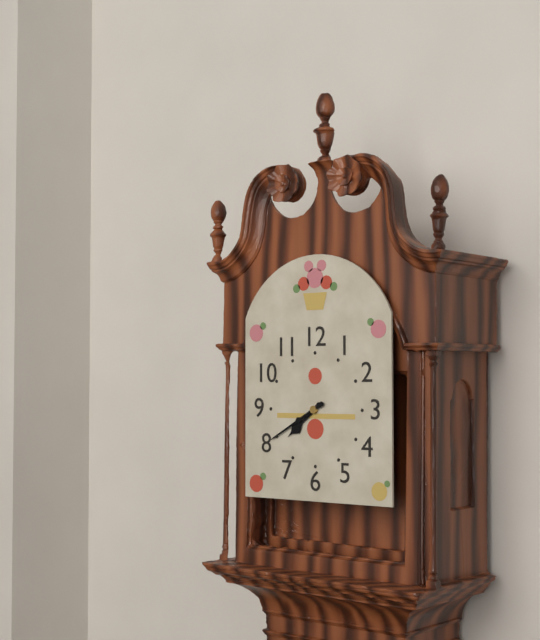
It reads 7h40
